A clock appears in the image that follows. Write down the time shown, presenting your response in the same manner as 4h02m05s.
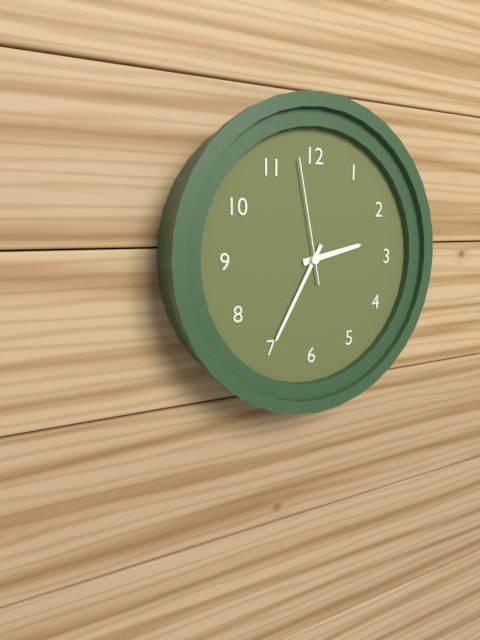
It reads 2h35m58s
